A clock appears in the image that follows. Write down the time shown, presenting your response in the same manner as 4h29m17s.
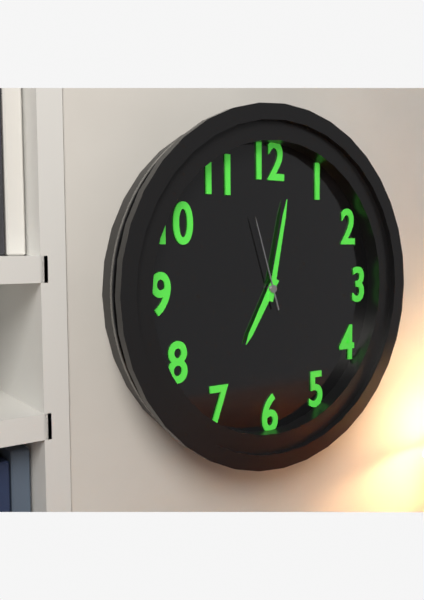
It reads 7h02m57s
